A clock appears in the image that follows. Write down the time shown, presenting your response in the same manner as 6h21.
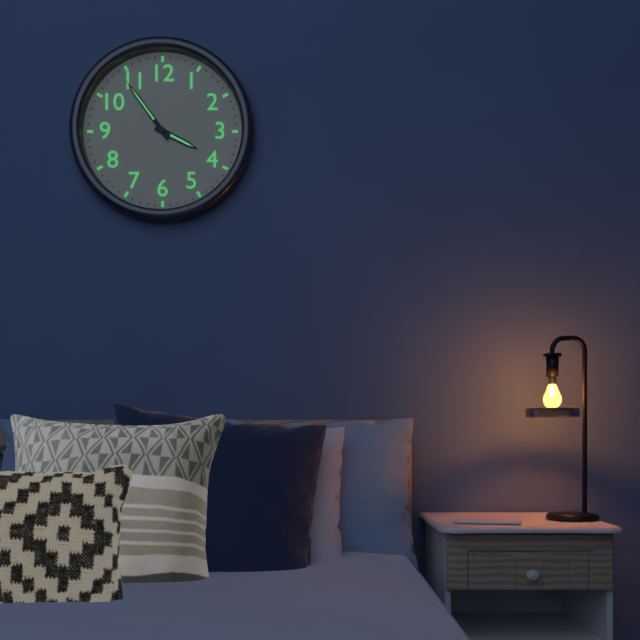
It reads 3h54
